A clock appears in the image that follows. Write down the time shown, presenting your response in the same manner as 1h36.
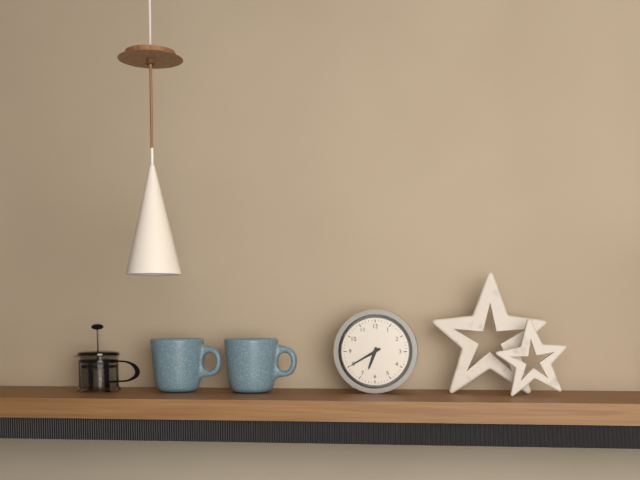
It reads 6h40
